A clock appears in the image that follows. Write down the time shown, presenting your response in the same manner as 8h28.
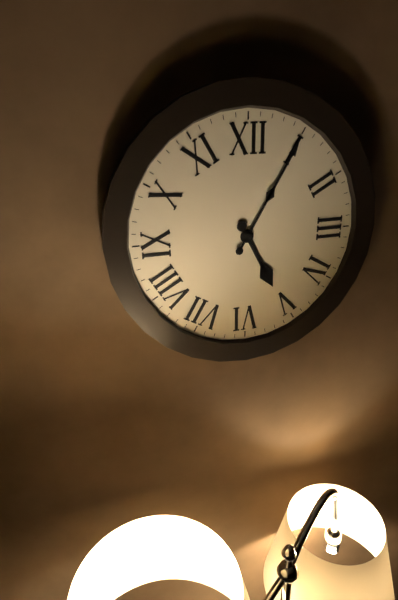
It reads 5h05
